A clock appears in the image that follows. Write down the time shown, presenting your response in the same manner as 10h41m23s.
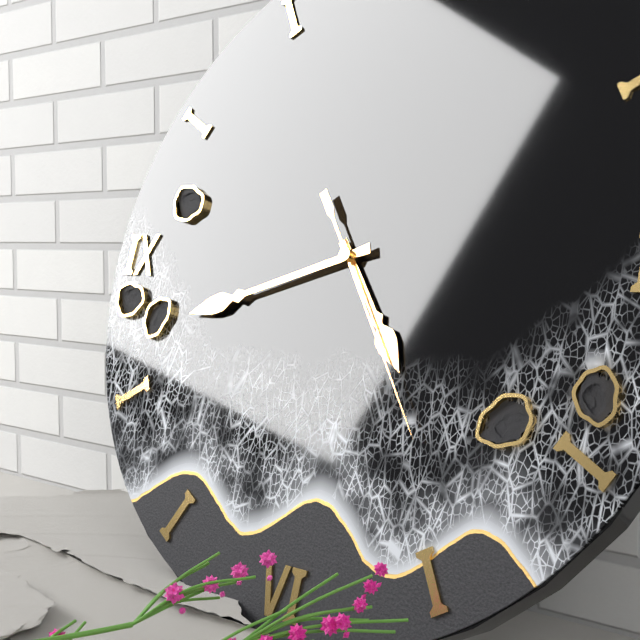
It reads 4h42m24s
